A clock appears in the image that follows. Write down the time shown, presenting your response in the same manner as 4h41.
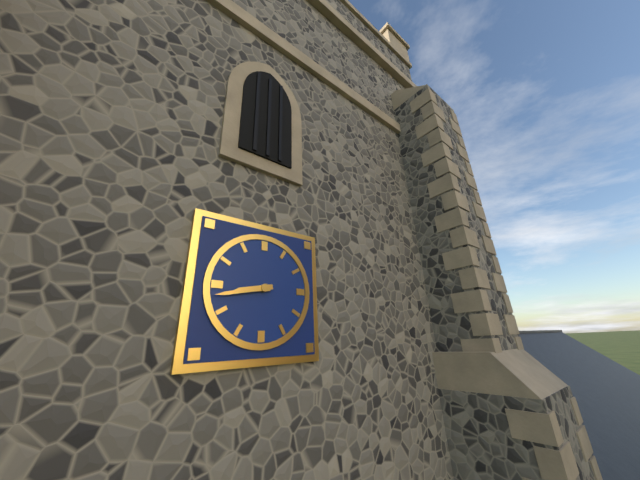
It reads 8h43
